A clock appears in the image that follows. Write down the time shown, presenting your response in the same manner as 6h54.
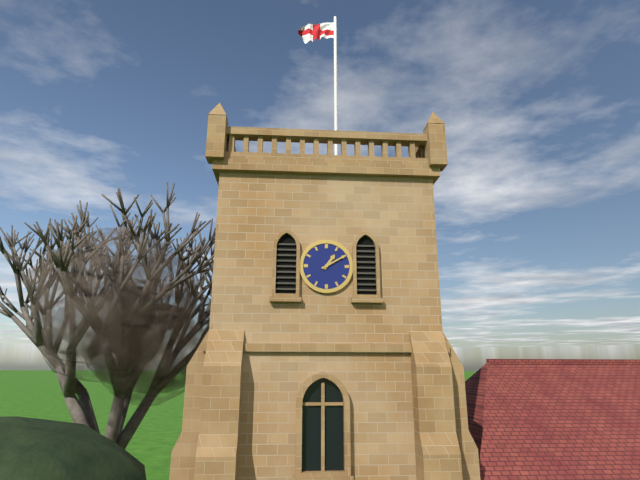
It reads 1h10
